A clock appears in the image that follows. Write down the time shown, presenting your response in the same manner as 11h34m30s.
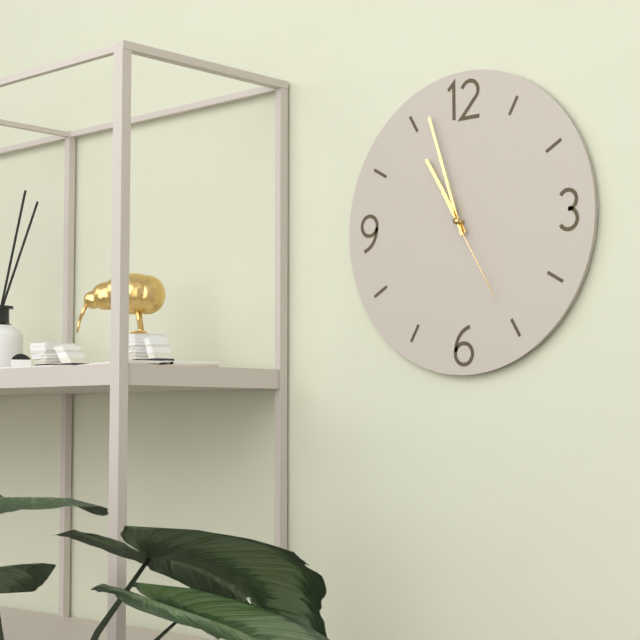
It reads 10h57m25s
